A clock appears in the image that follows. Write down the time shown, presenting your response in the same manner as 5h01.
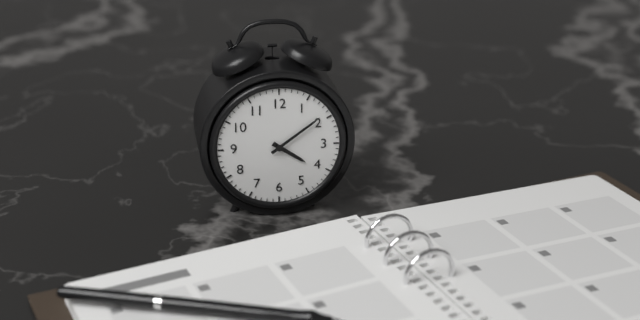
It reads 4h09
